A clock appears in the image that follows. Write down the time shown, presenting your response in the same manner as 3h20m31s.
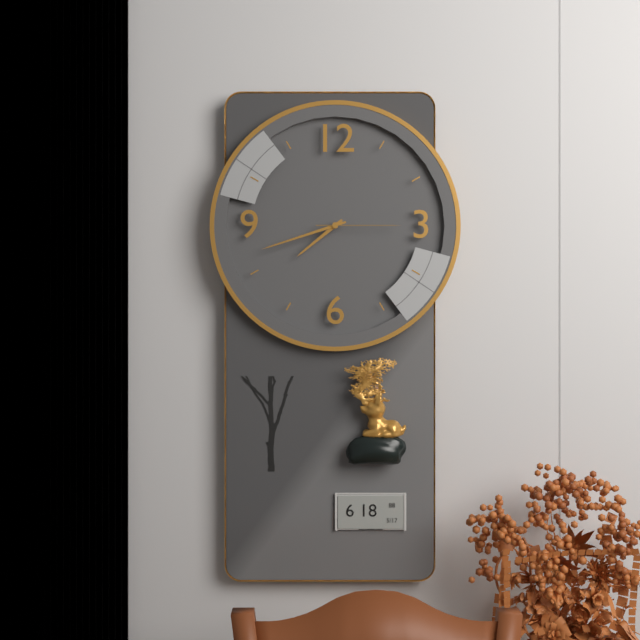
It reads 7h42m15s
